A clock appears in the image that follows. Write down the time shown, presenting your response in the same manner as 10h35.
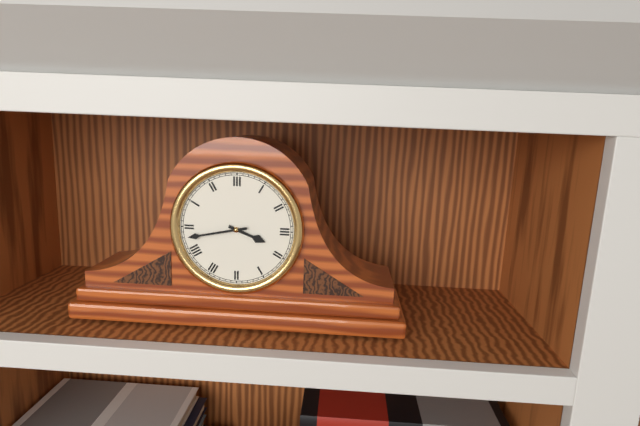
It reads 3h43
